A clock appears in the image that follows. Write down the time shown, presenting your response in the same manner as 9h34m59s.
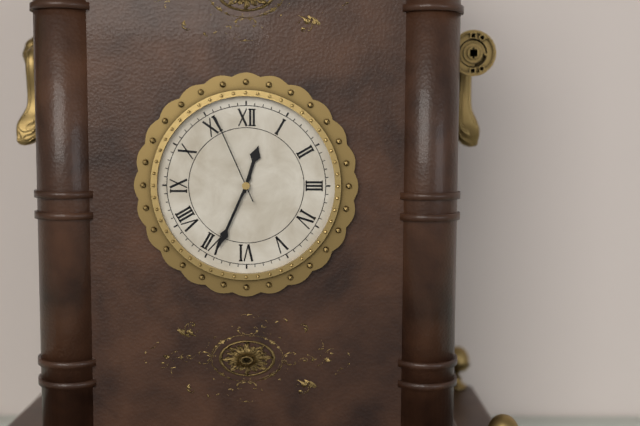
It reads 12h34m56s
